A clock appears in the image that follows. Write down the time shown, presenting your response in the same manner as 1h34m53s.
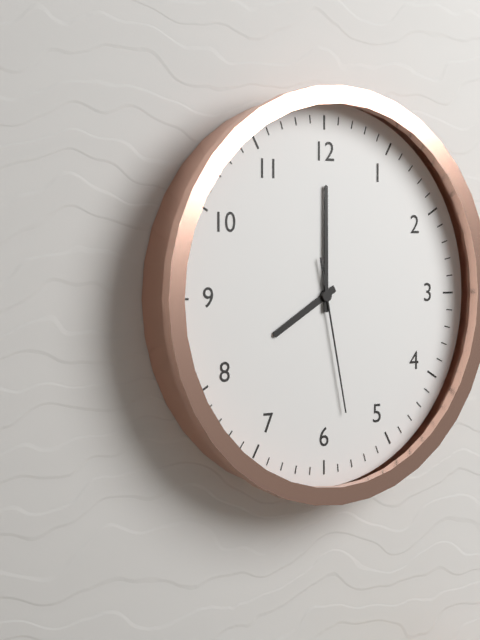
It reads 8h00m28s
